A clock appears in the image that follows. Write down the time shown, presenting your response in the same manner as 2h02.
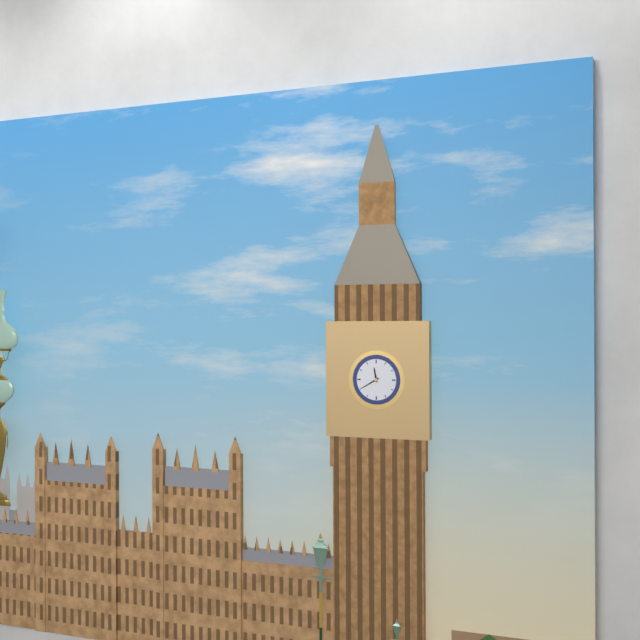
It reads 11h40
